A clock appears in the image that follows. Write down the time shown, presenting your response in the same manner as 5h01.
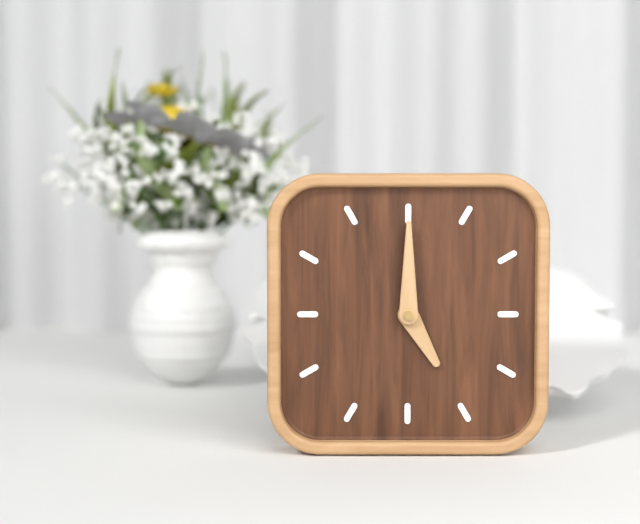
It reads 5h00
